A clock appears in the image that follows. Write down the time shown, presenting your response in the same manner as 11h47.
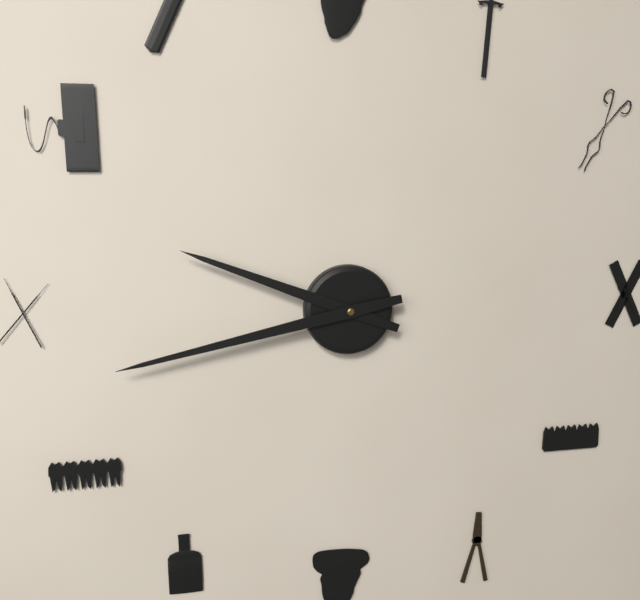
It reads 9h43
